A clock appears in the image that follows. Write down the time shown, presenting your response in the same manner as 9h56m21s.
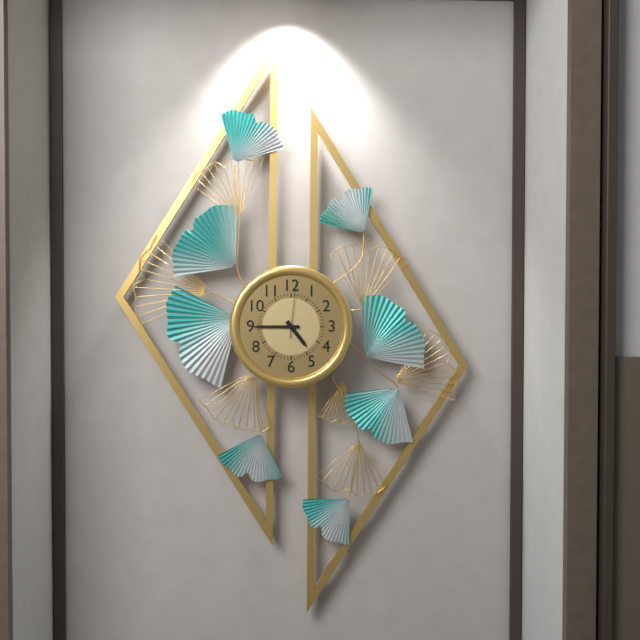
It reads 4h45m01s
